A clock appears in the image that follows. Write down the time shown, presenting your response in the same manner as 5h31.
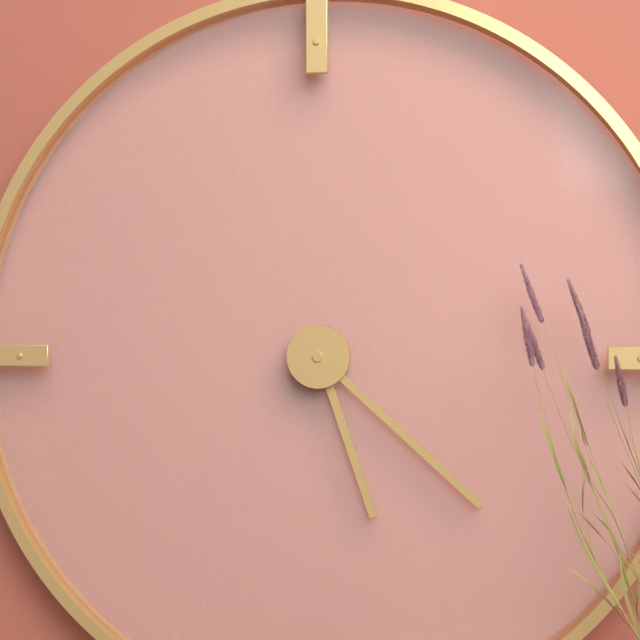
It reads 5h22
